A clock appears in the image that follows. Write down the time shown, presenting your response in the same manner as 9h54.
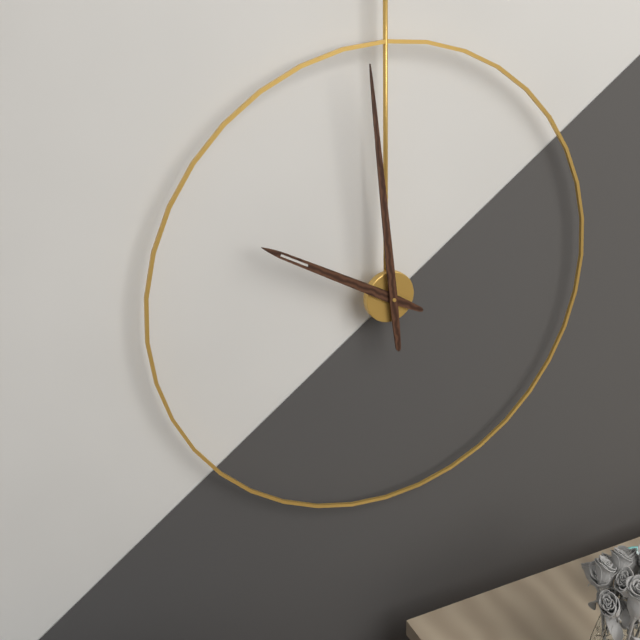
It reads 9h59
